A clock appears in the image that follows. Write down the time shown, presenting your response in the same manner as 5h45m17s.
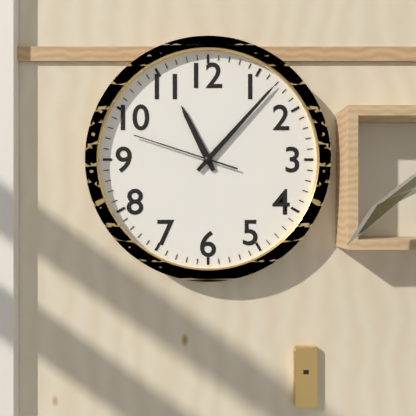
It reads 11h07m48s
